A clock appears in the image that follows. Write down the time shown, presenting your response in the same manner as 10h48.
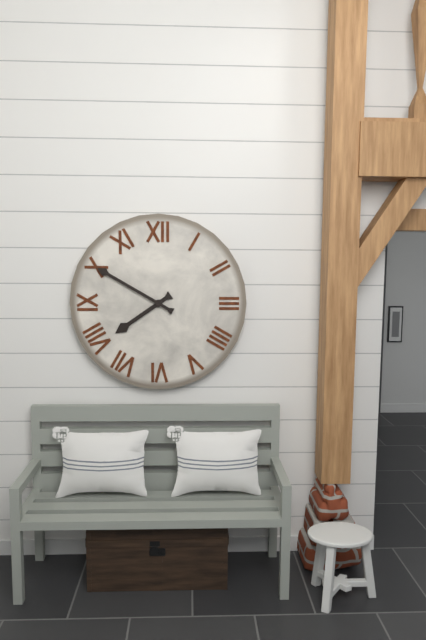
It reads 7h50
